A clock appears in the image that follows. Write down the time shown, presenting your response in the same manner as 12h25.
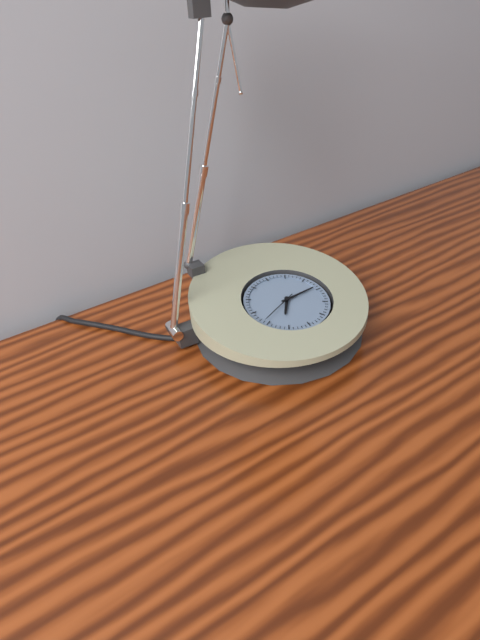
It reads 7h14
